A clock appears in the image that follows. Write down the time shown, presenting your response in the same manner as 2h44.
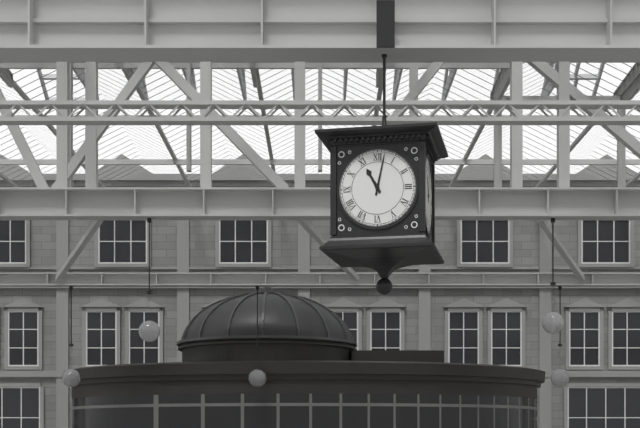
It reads 11h02
